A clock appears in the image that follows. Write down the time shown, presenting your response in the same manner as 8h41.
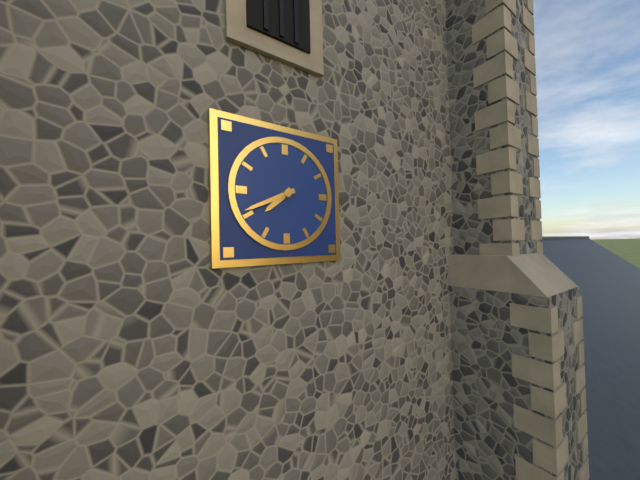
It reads 7h41
